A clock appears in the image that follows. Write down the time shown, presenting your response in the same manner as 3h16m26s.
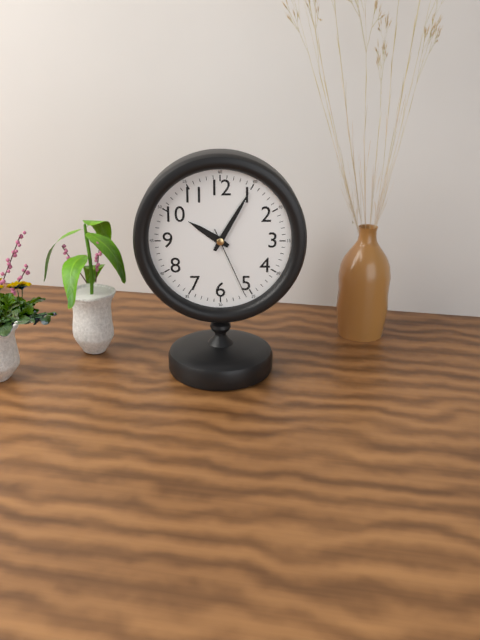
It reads 10h05m26s
